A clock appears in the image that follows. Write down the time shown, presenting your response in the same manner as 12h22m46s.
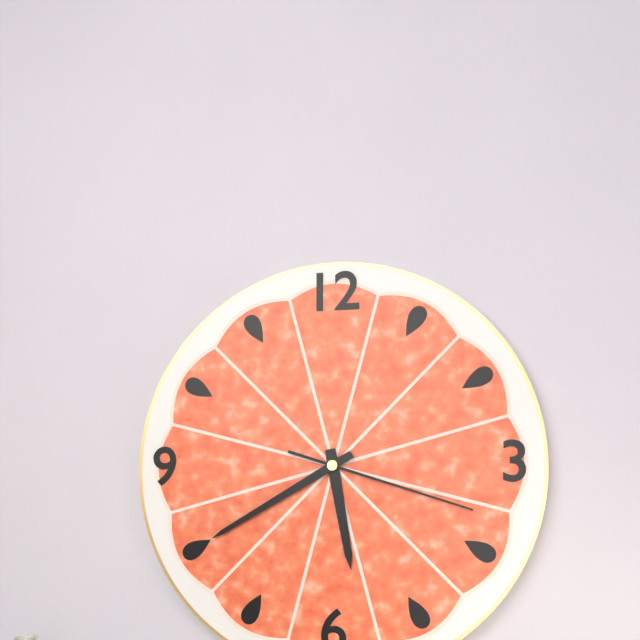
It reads 5h40m18s
